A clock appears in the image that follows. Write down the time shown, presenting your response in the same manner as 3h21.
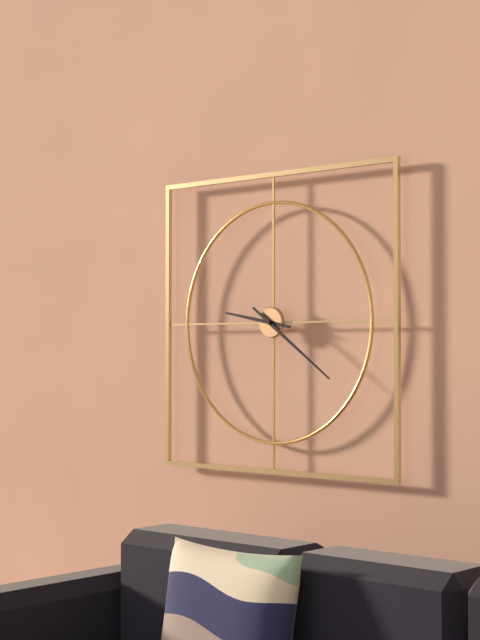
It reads 9h21
